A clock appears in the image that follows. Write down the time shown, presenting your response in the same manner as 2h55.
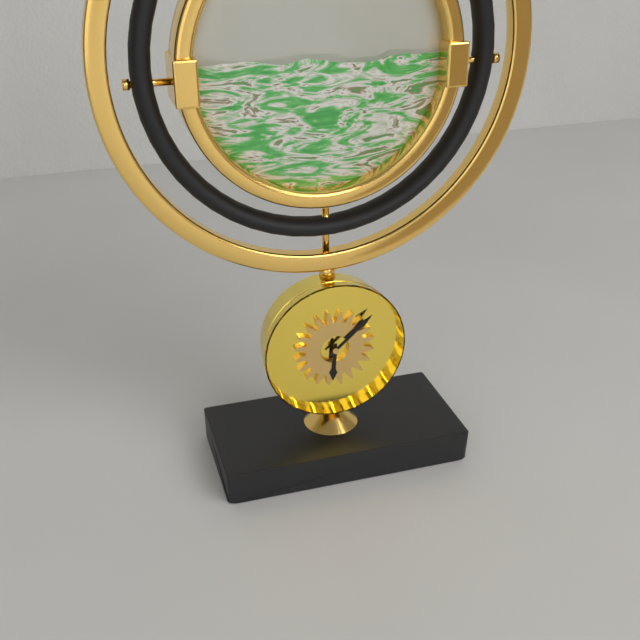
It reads 6h08
